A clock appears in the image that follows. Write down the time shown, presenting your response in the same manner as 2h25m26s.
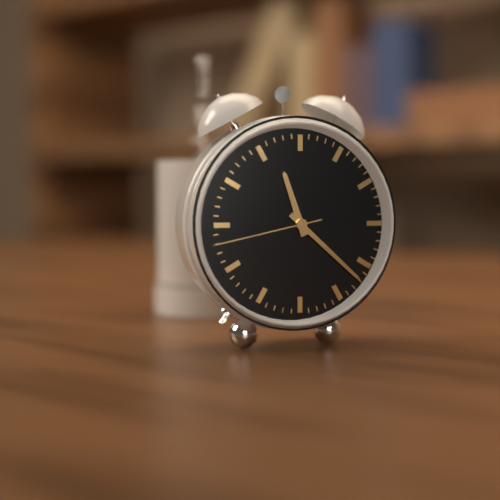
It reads 11h22m43s
